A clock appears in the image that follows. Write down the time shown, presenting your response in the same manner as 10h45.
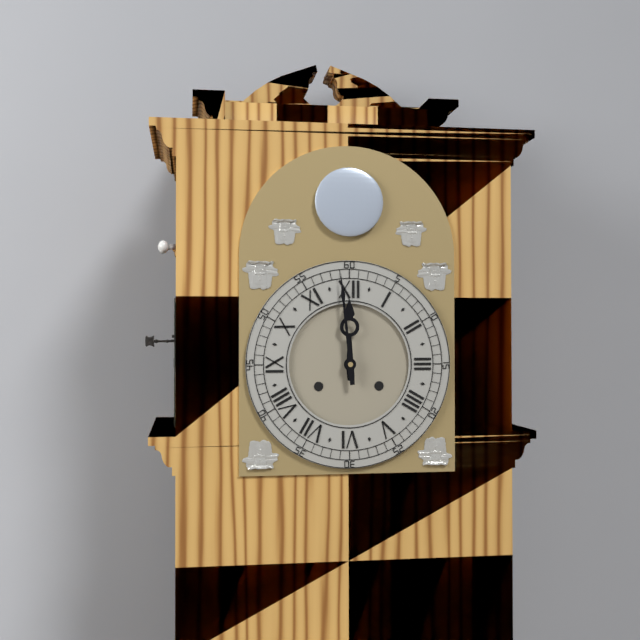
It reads 11h59
